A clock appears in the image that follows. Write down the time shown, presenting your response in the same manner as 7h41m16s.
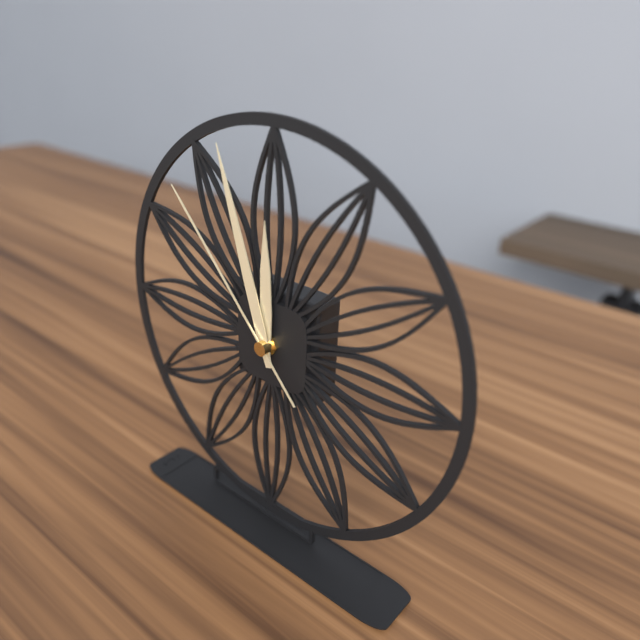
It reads 11h57m53s
